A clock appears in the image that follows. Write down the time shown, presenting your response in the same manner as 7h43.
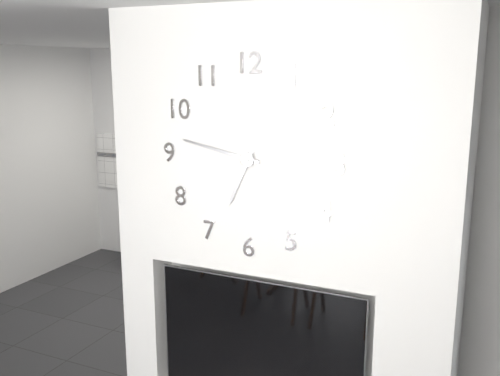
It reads 6h47
